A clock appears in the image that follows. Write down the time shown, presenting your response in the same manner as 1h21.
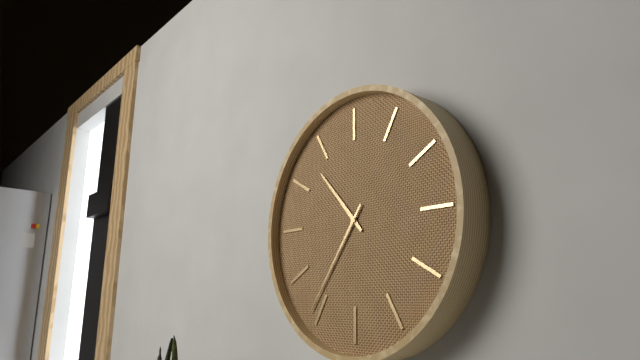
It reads 10h36
